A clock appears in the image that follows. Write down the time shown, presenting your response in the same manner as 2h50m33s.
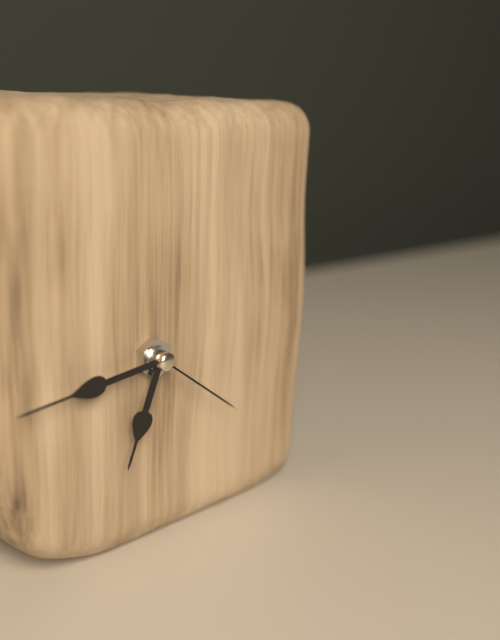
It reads 6h44m21s
